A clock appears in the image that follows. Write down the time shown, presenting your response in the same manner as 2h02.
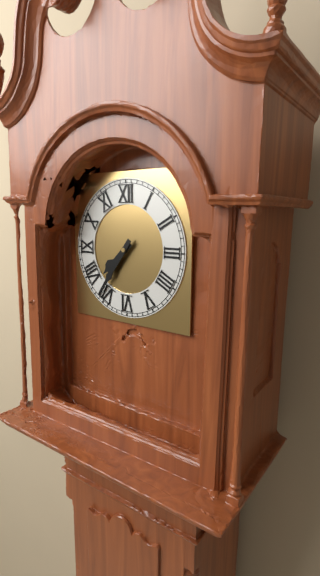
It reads 7h36
